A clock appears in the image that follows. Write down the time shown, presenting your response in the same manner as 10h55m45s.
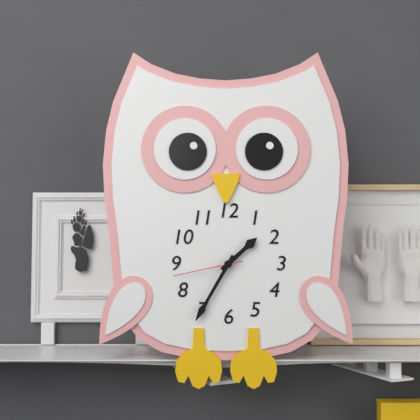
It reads 1h35m43s
